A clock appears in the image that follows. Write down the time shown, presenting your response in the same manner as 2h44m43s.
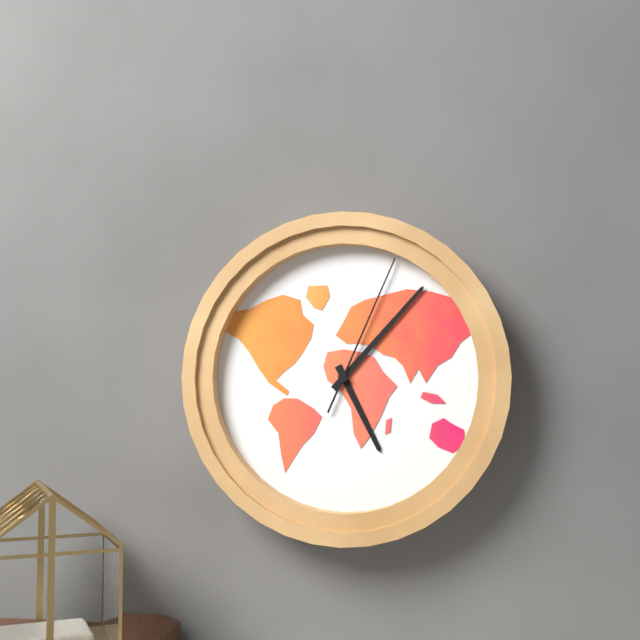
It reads 5h07m04s
